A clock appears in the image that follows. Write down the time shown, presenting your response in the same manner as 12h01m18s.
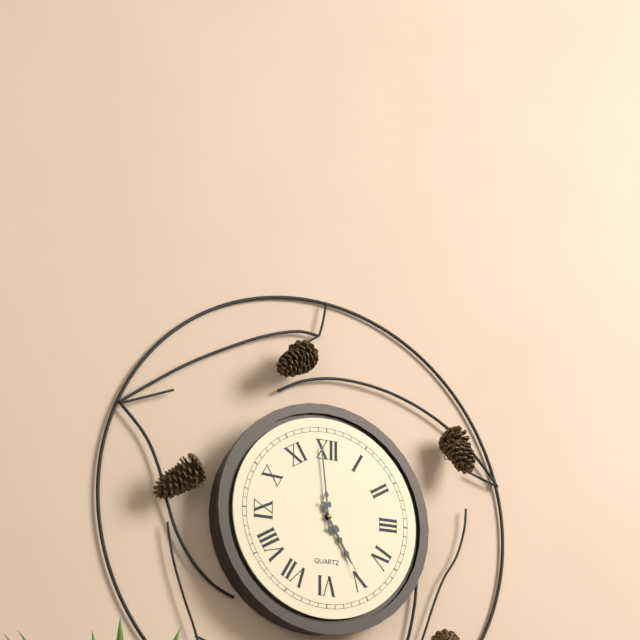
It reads 4h59m25s
